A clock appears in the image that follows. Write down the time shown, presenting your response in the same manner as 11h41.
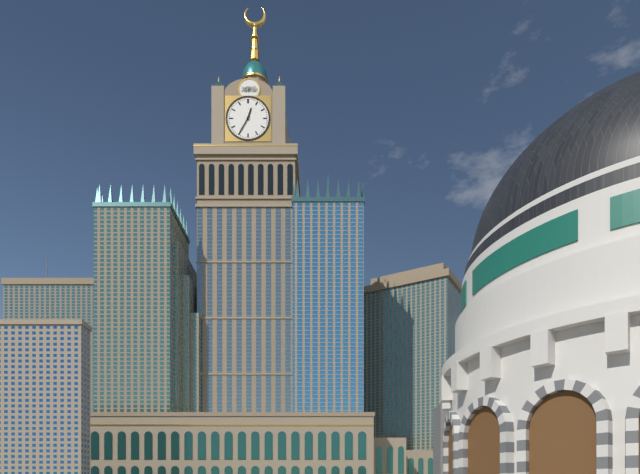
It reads 12h35
